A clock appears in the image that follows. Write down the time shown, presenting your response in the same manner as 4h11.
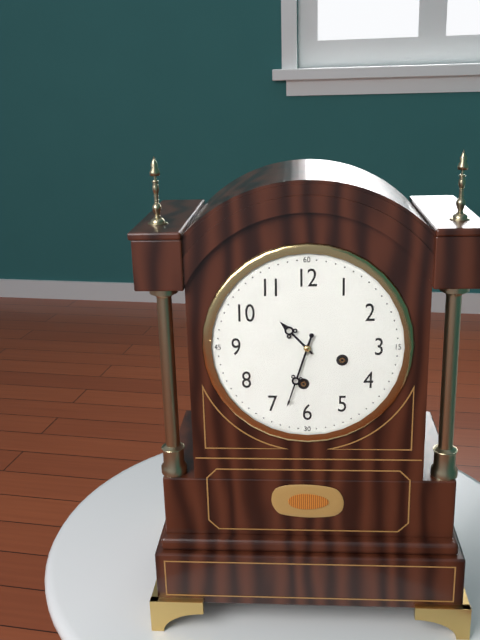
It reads 10h33
